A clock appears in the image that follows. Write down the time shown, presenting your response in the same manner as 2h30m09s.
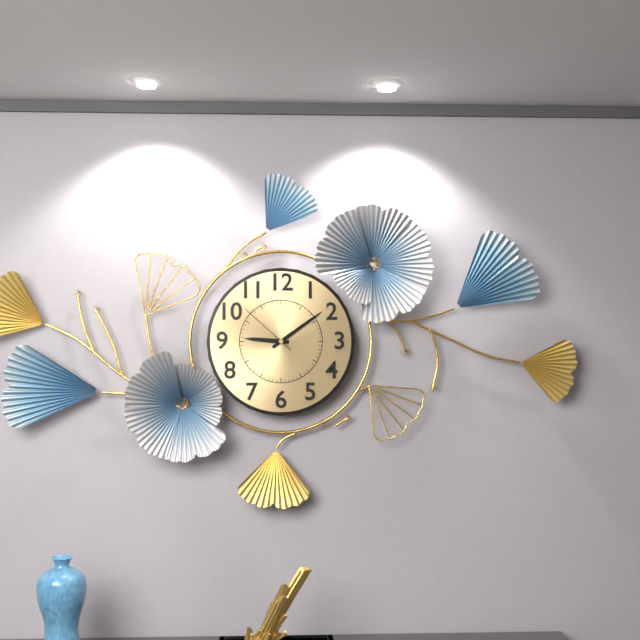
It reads 9h09m52s
